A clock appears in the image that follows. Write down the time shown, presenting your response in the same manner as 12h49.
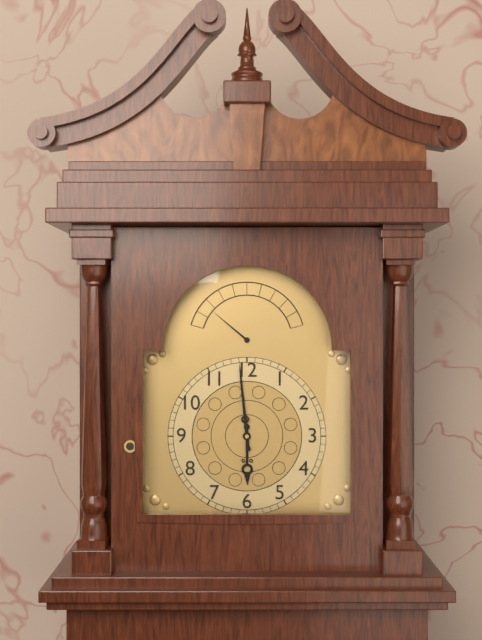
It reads 5h59
